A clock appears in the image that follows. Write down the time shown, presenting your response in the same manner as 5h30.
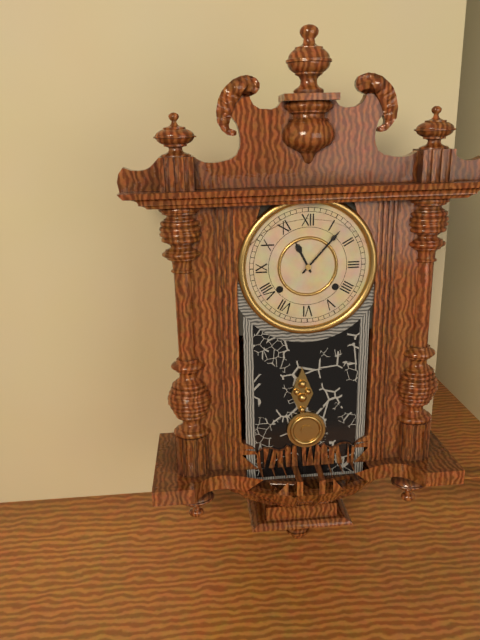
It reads 11h07
